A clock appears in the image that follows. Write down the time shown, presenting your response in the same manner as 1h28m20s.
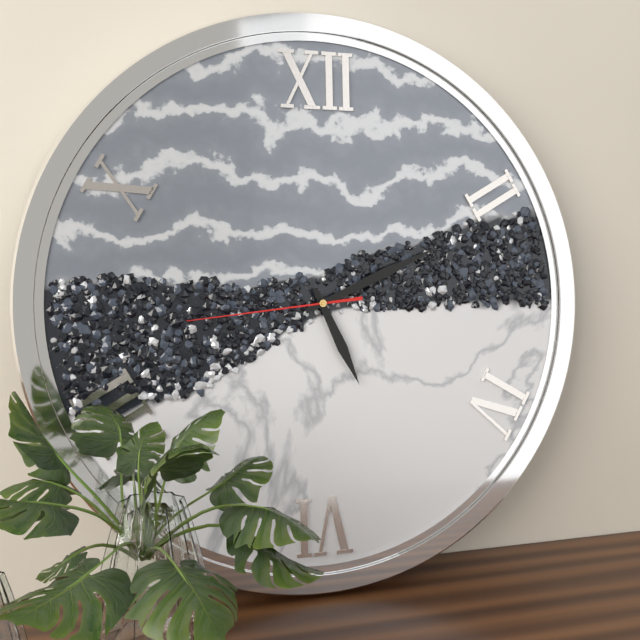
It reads 5h11m44s
